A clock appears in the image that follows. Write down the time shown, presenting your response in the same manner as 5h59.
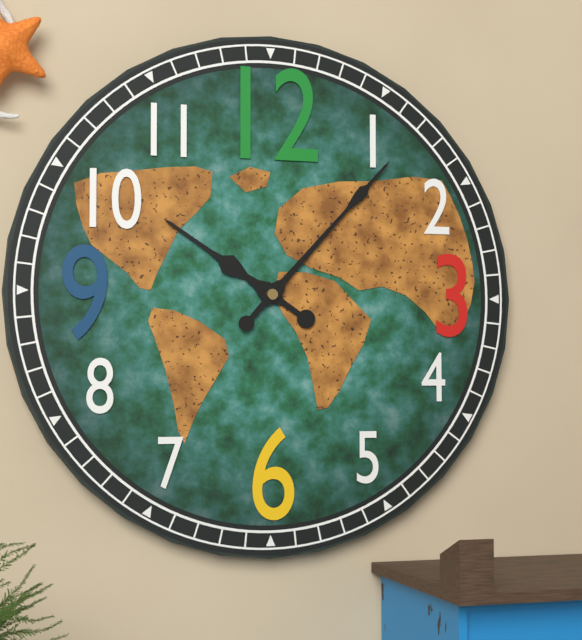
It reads 10h07
